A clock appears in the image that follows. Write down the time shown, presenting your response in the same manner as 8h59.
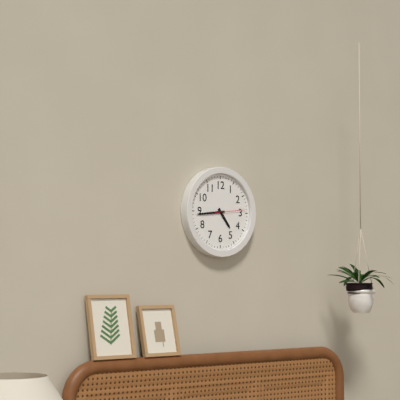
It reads 4h44
